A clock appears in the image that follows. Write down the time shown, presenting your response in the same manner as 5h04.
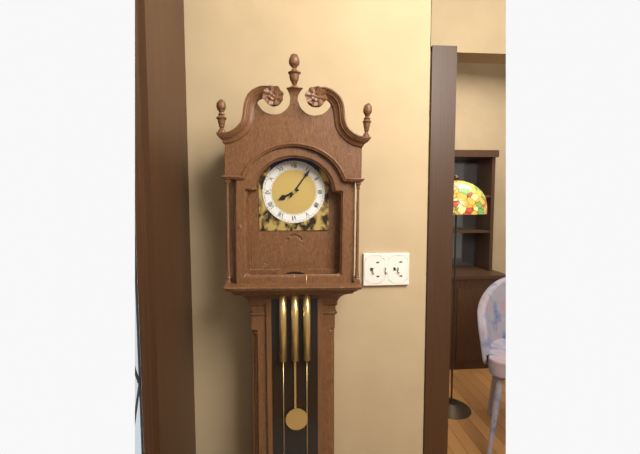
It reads 8h06
